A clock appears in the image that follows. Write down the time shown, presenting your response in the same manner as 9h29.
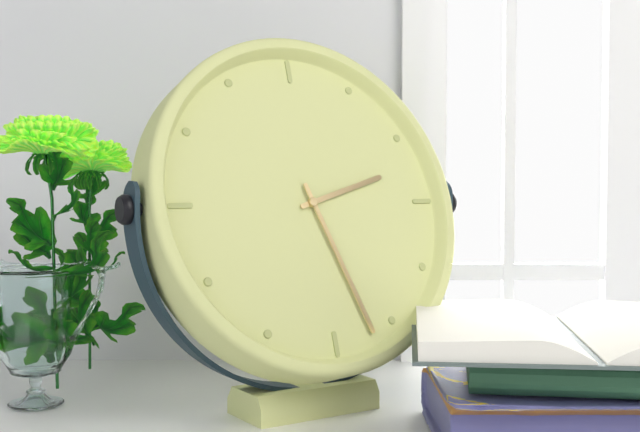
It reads 2h27
